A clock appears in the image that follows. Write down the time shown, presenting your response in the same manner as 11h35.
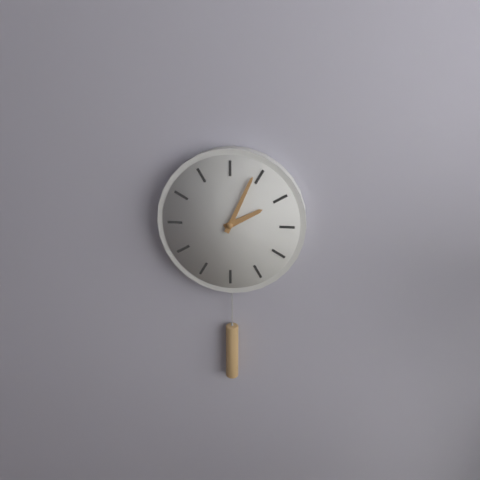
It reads 2h04
